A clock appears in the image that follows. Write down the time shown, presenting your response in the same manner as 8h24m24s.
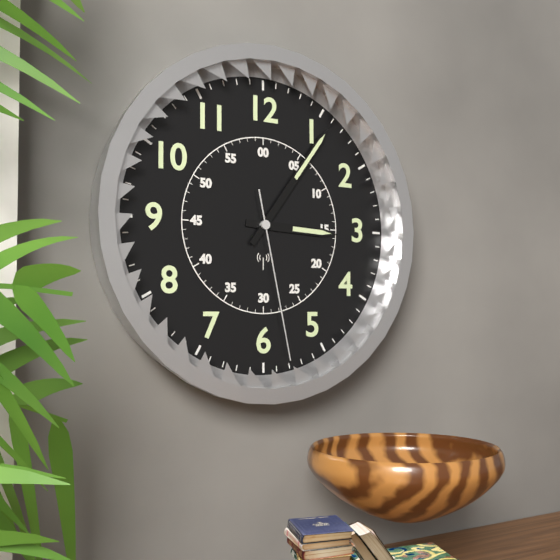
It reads 3h06m28s
